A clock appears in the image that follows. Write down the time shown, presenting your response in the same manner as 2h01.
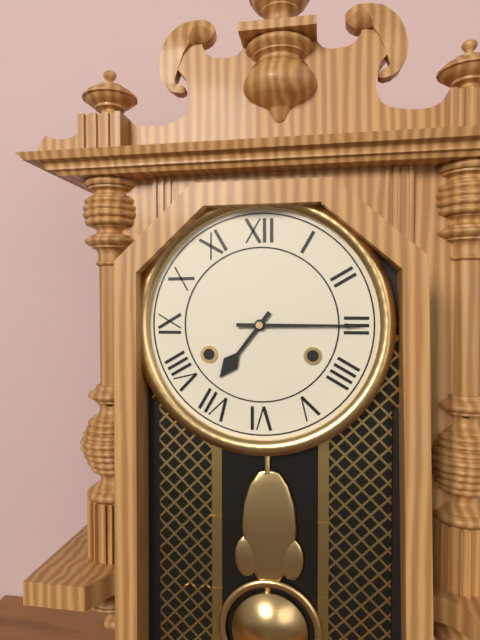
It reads 7h15
